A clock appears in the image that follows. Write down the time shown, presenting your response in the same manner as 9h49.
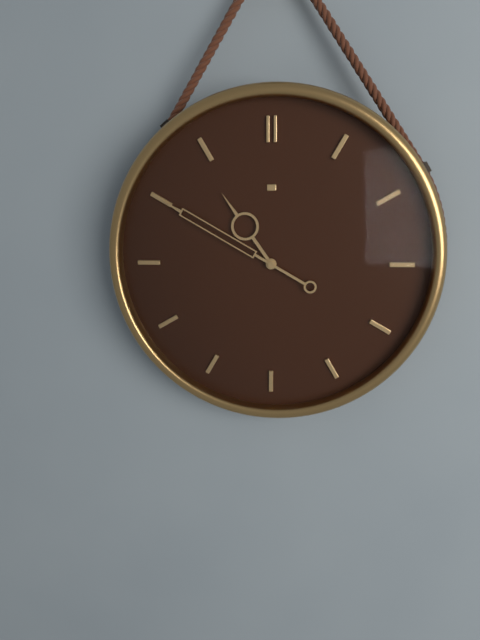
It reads 10h50
